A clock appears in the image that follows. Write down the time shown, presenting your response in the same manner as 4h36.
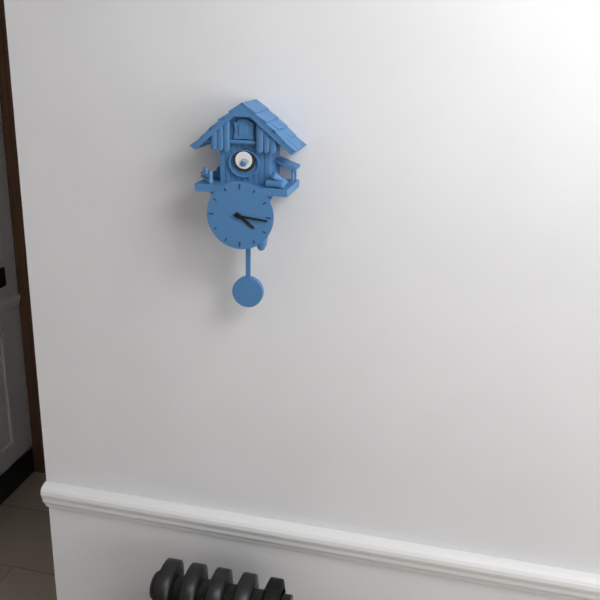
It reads 4h16
